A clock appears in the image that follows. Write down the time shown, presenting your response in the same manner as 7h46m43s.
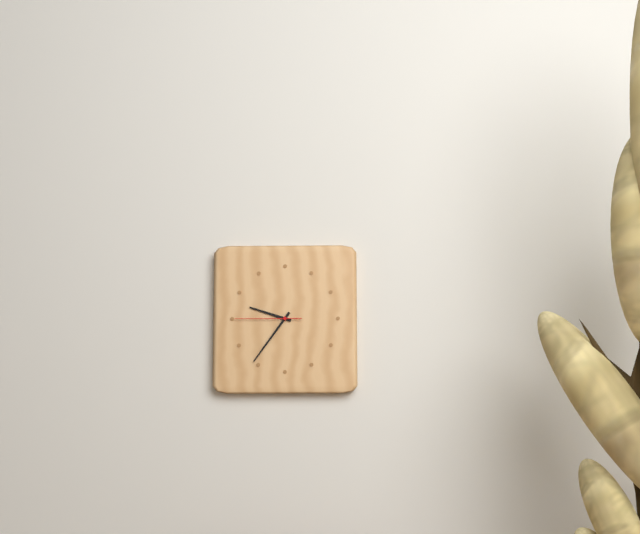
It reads 9h36m45s
